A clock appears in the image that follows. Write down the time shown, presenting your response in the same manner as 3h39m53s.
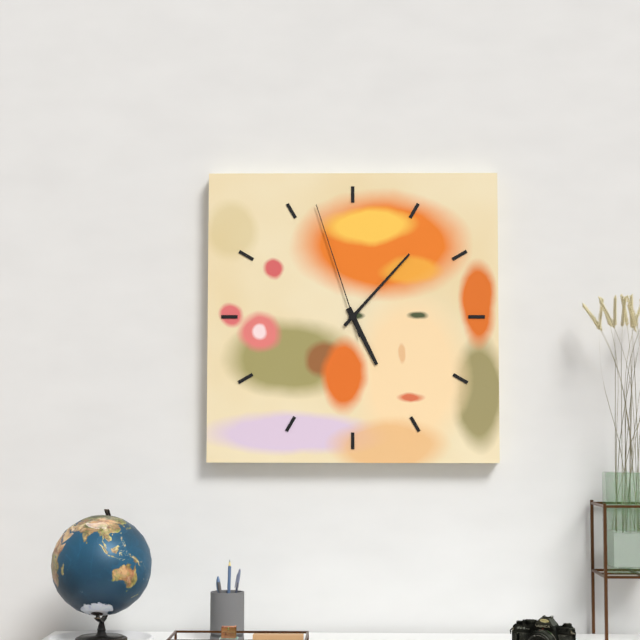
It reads 5h07m57s
